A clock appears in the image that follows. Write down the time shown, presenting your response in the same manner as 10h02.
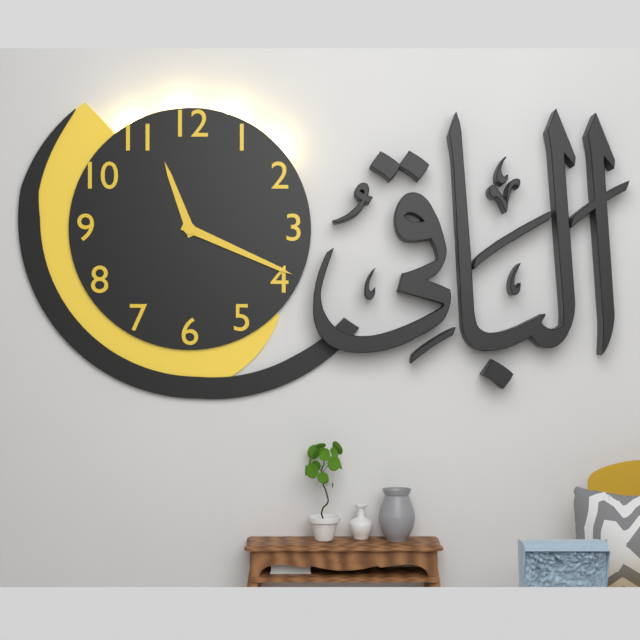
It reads 11h19
